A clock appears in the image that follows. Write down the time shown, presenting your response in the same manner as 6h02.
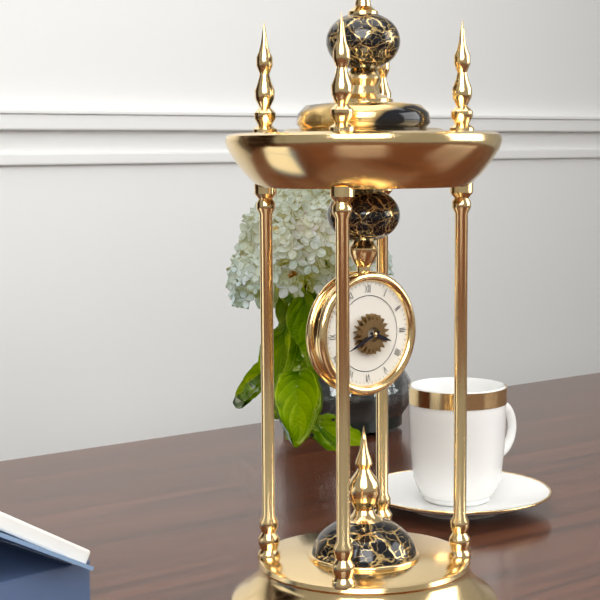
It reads 3h41
